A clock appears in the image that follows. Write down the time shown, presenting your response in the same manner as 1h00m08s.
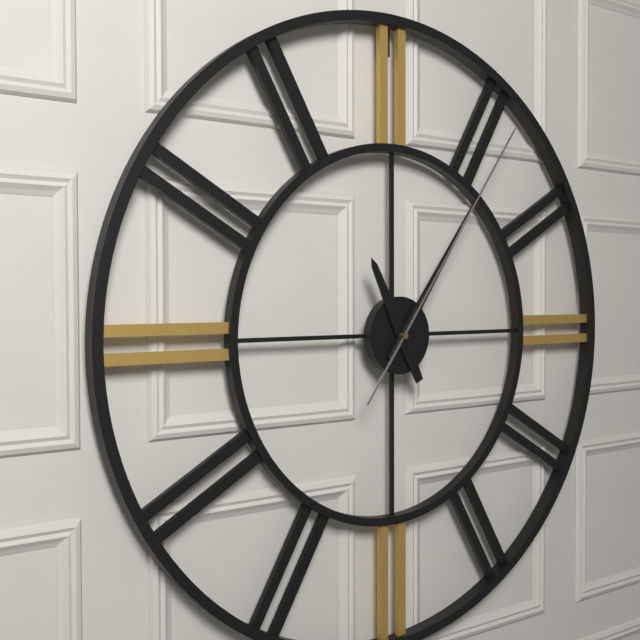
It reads 11h06m06s
